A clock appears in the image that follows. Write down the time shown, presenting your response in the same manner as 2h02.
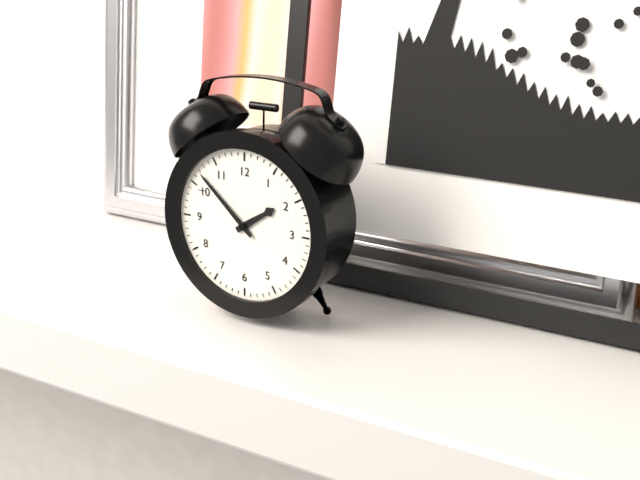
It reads 1h52
